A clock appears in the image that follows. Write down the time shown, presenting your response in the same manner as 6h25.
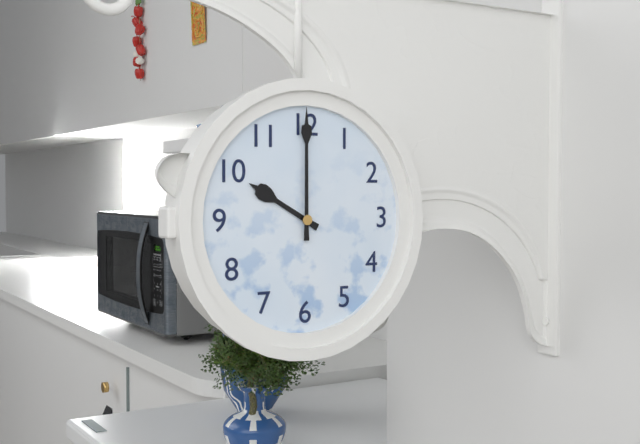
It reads 10h00
